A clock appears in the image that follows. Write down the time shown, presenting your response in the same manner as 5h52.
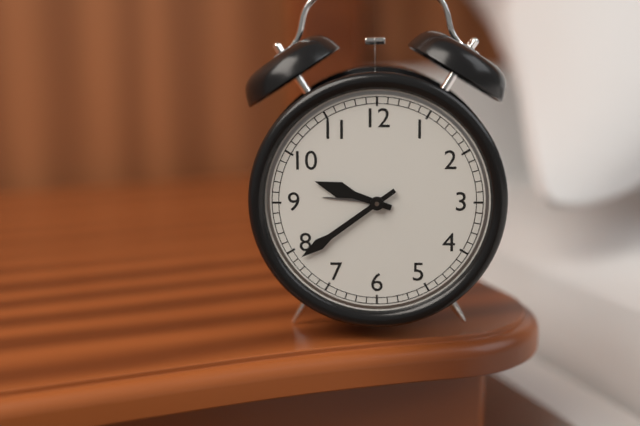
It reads 9h39
